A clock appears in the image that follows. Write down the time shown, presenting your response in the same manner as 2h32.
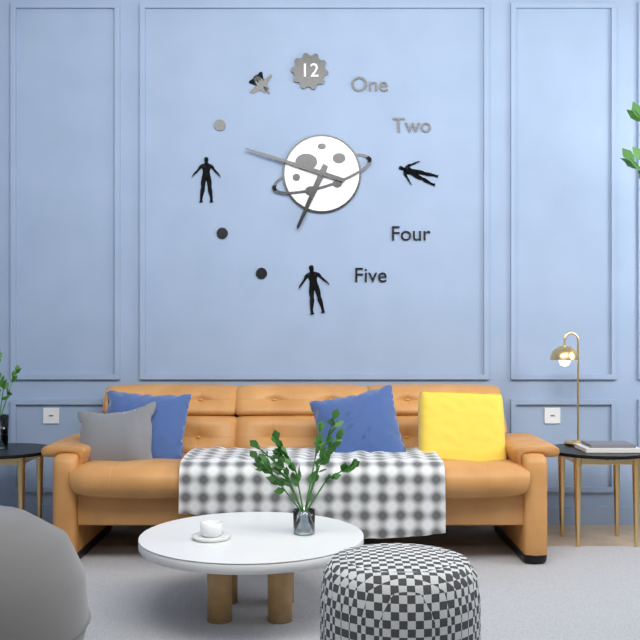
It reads 6h48
